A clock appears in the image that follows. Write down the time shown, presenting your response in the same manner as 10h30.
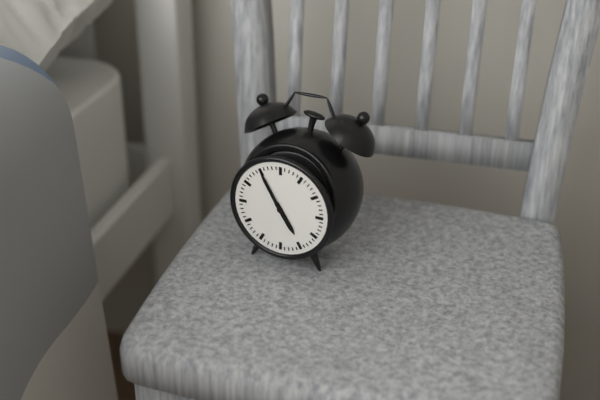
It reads 4h55
